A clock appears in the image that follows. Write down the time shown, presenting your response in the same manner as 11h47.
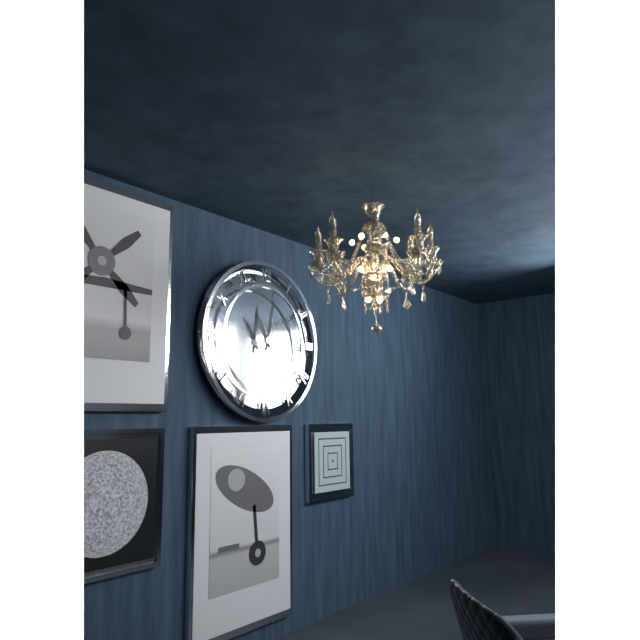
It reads 11h02
